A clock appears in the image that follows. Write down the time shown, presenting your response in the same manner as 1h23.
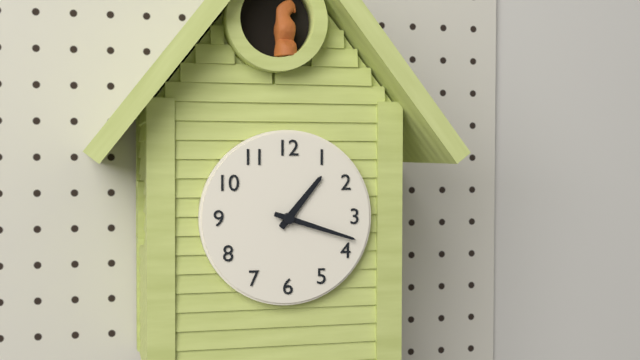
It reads 1h18
